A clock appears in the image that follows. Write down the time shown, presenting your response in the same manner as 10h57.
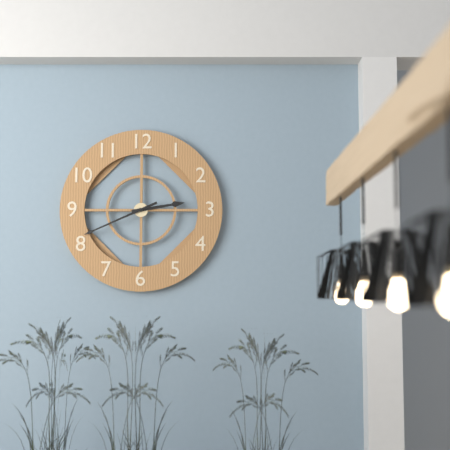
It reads 2h41
